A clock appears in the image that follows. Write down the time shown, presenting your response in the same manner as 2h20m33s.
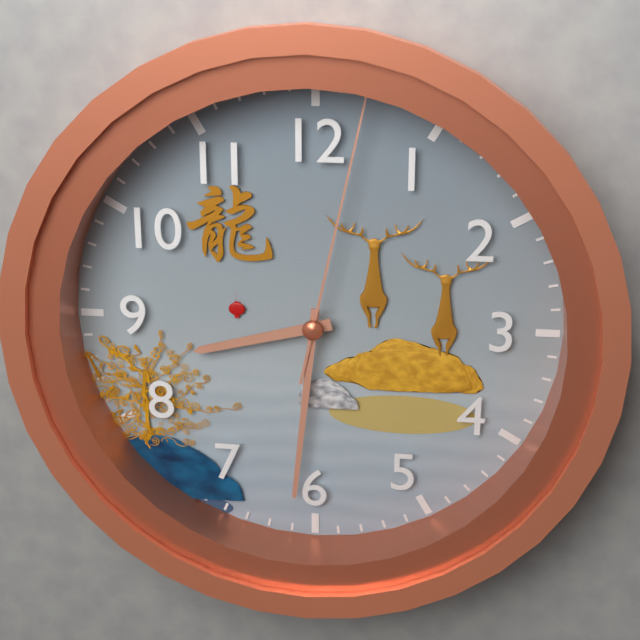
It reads 8h31m02s
